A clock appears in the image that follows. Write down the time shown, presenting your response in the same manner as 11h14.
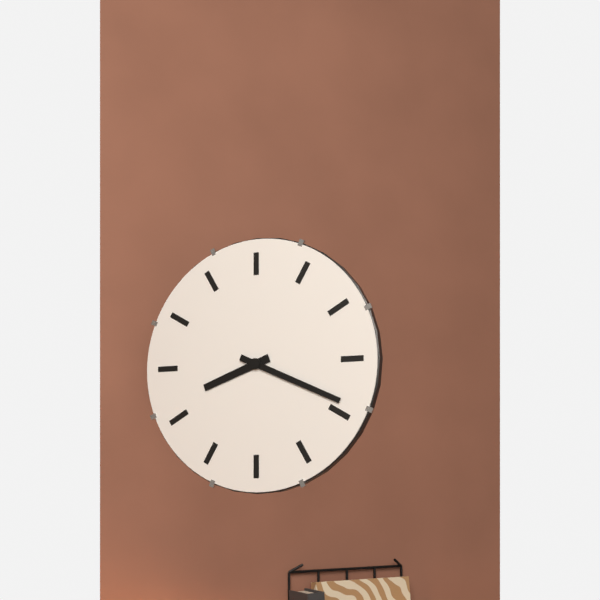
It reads 8h19
